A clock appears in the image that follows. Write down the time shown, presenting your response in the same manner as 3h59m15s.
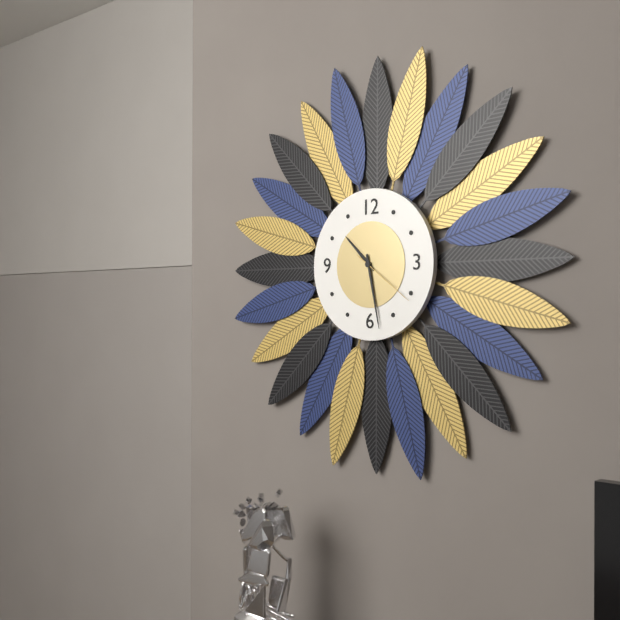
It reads 10h28m21s
